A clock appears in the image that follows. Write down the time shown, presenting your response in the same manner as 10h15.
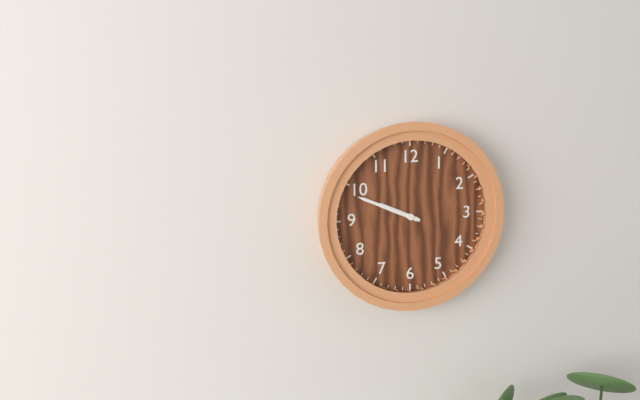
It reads 9h49
